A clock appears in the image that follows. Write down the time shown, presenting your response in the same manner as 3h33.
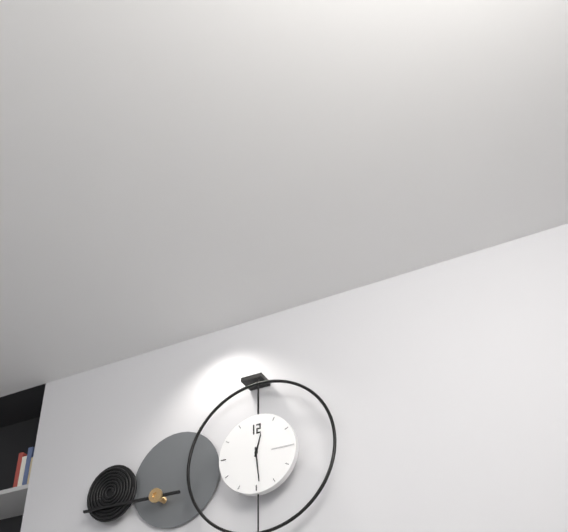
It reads 12h29
